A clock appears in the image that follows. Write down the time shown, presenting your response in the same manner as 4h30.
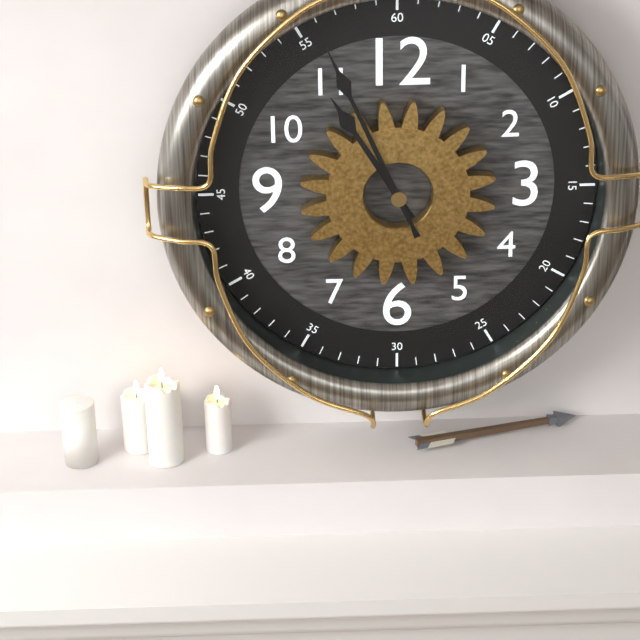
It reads 10h56
